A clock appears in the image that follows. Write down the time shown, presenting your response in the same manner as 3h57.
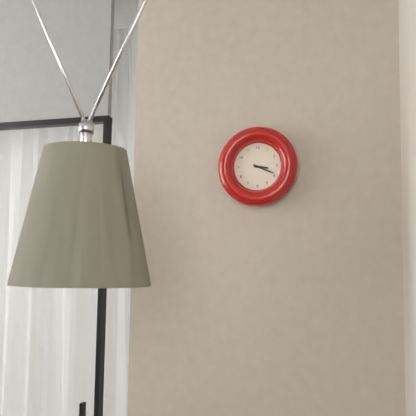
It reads 3h19
